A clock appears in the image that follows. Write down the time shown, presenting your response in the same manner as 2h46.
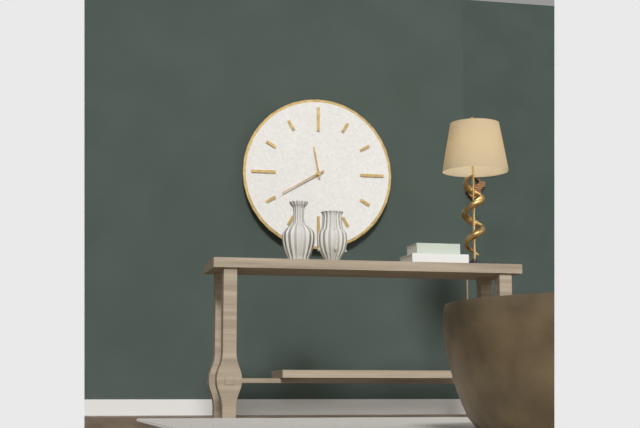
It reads 11h40
